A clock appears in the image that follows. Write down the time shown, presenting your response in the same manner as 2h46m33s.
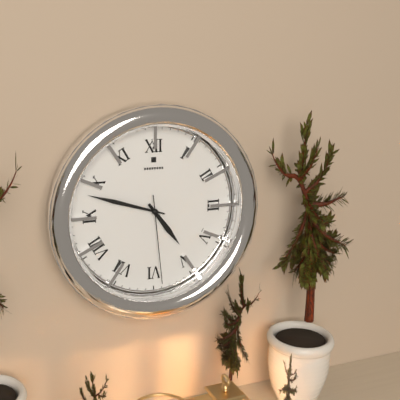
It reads 4h48m29s
